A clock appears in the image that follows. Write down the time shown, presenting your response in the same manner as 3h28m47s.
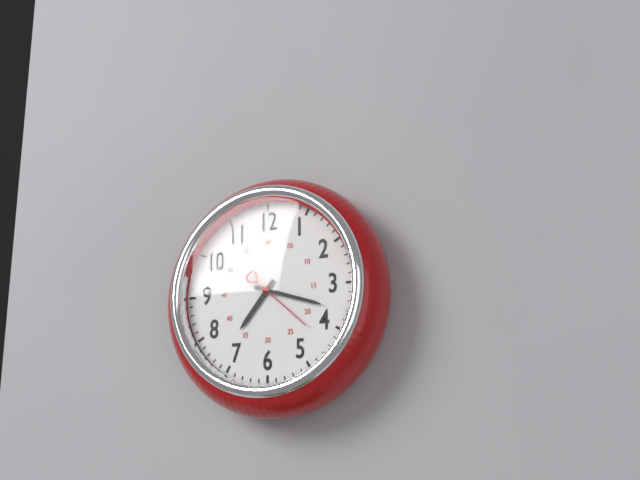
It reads 7h18m22s
